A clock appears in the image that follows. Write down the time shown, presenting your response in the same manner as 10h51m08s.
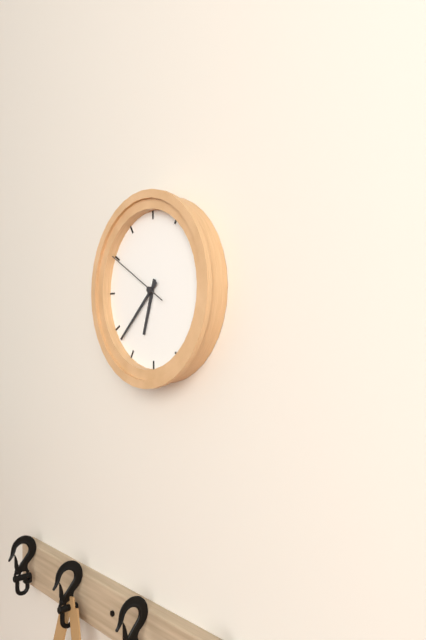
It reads 6h38m50s
